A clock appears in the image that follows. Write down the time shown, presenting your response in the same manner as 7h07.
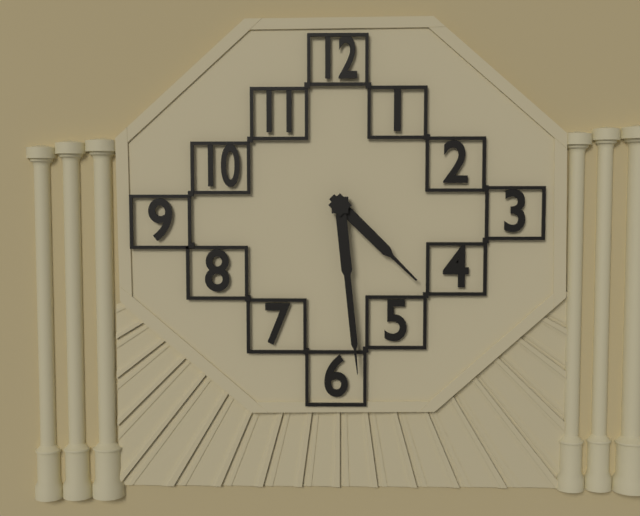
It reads 4h29
